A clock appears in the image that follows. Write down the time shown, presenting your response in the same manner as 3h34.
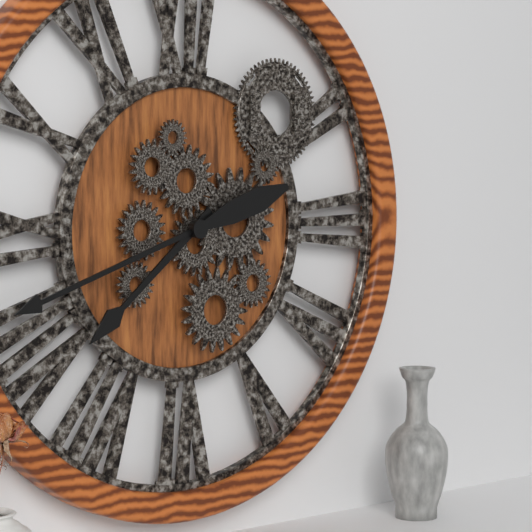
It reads 7h42
